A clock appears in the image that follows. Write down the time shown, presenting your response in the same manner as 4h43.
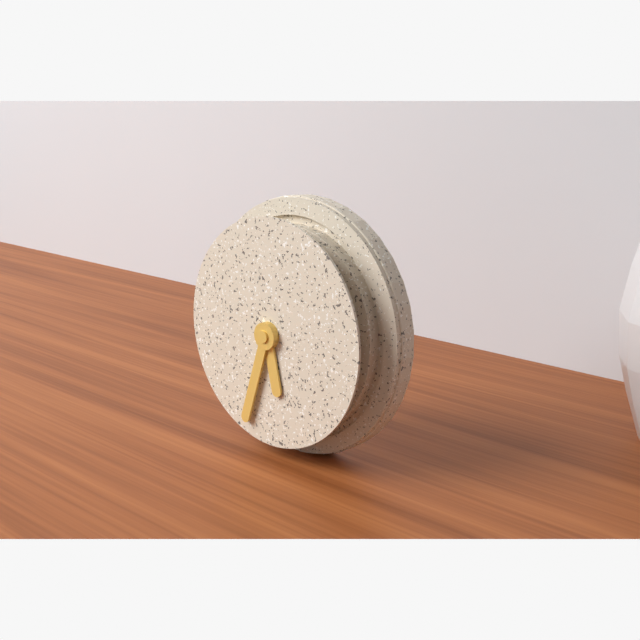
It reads 5h33
